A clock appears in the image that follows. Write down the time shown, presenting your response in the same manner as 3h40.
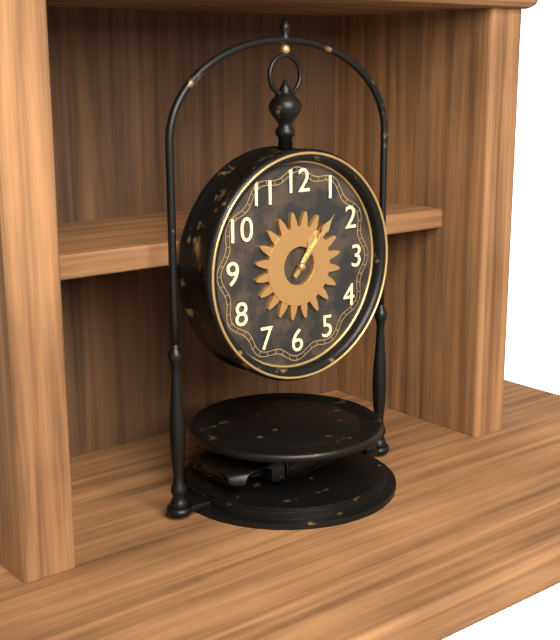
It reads 1h07
